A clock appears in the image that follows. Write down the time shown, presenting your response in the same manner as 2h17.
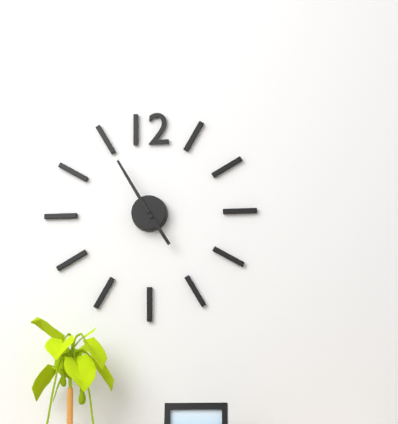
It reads 4h55
